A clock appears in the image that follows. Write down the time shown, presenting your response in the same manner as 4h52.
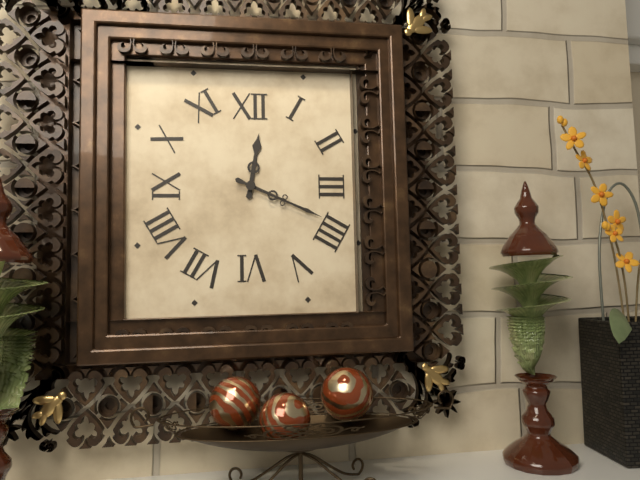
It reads 12h19
